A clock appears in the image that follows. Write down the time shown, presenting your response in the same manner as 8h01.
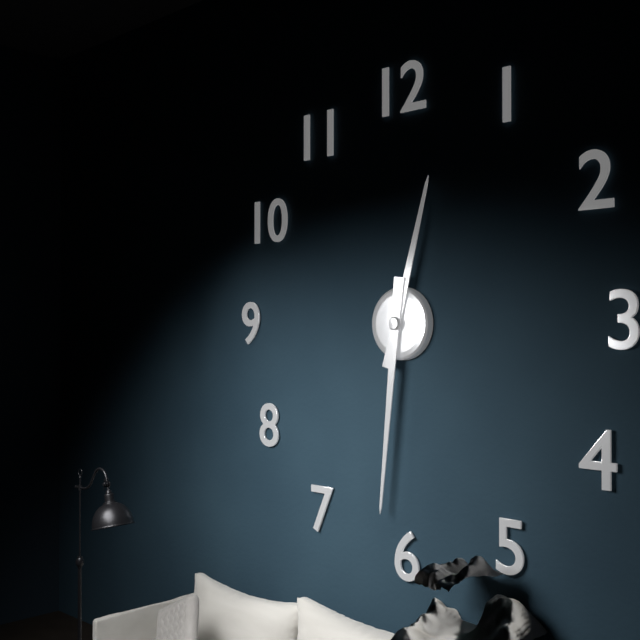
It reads 12h31
